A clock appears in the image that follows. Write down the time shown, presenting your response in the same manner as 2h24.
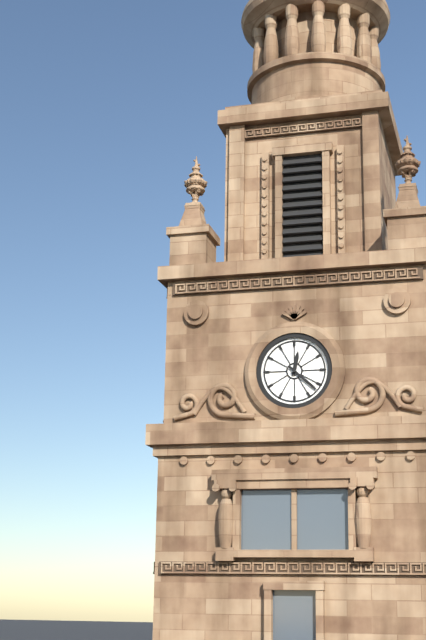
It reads 12h22
